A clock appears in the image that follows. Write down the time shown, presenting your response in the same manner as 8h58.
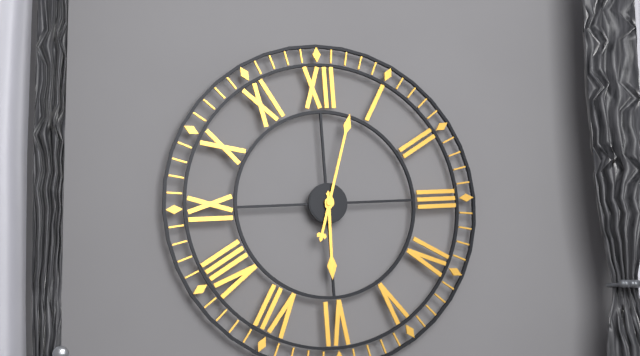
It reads 6h03
